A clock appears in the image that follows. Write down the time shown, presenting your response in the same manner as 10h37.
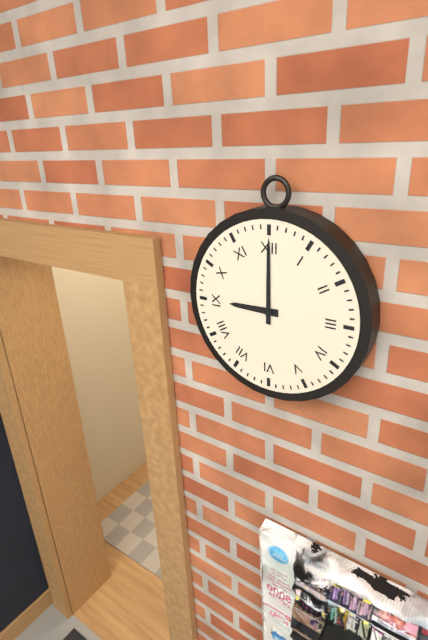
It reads 9h00
